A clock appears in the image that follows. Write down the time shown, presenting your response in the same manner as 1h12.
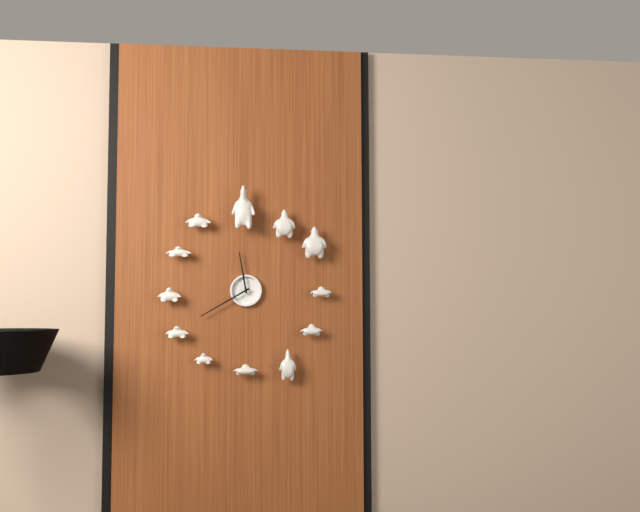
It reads 11h40
